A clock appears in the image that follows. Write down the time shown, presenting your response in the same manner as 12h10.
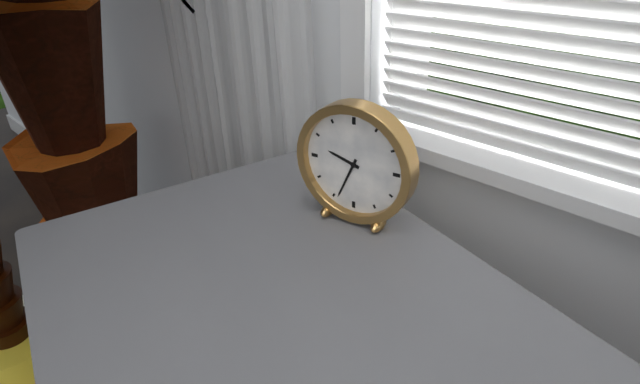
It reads 9h34
